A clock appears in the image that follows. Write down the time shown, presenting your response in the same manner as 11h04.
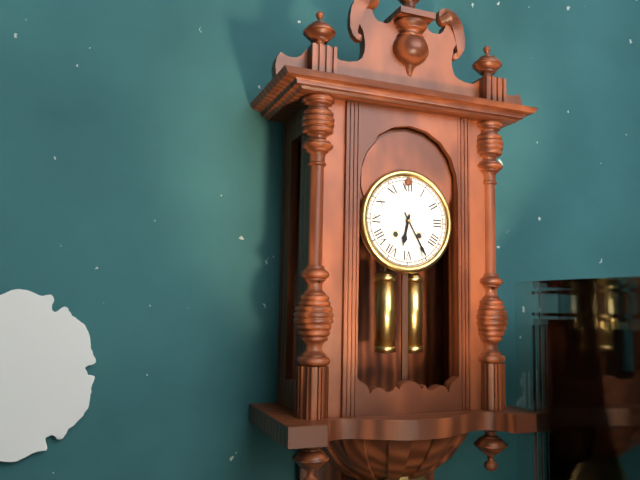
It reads 6h25
